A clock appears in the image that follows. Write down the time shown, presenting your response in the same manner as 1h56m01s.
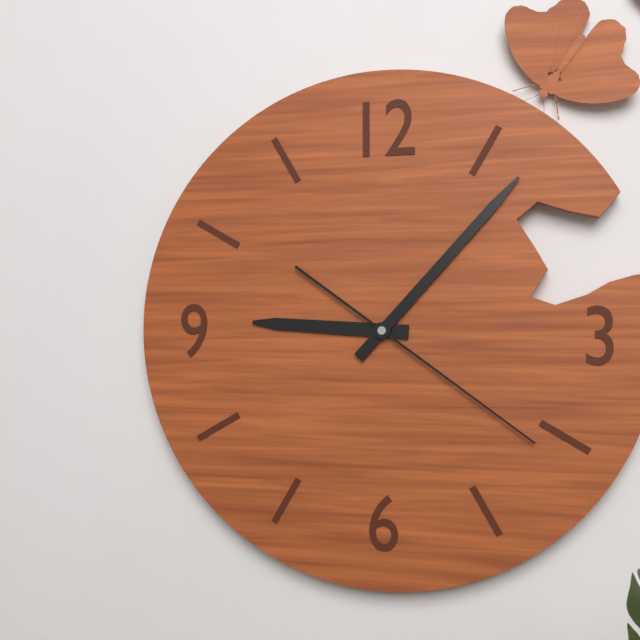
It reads 9h07m21s
